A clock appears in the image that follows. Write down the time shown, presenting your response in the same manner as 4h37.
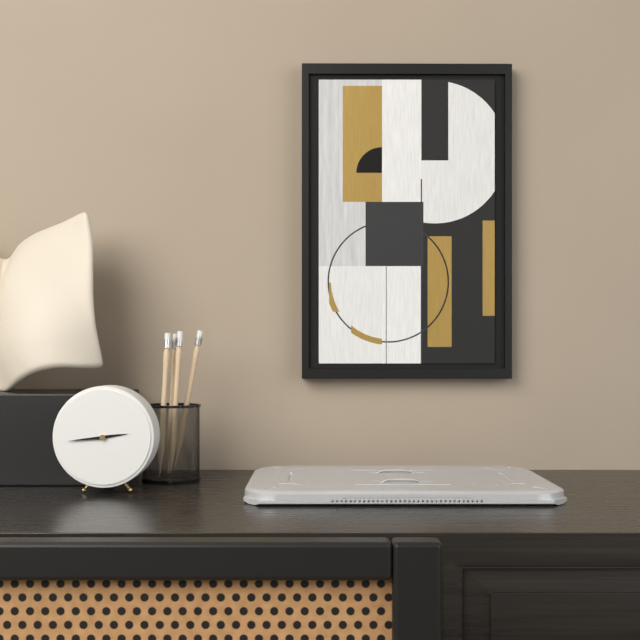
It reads 2h44
